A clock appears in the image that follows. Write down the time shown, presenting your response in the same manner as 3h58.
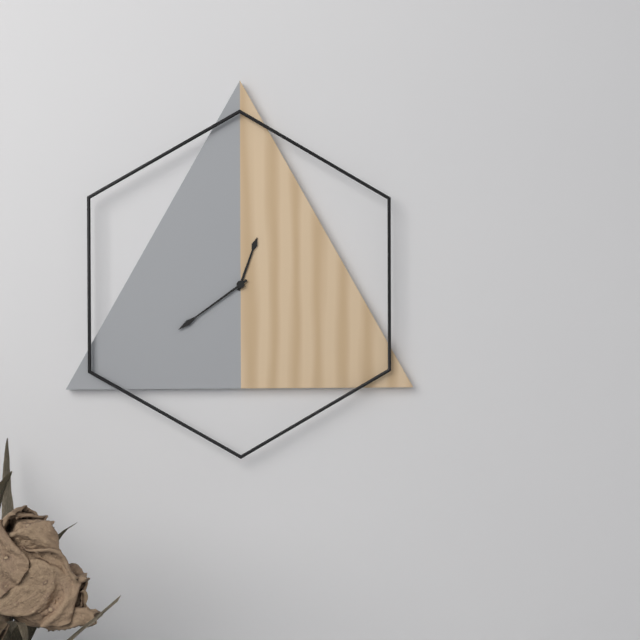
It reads 12h39
